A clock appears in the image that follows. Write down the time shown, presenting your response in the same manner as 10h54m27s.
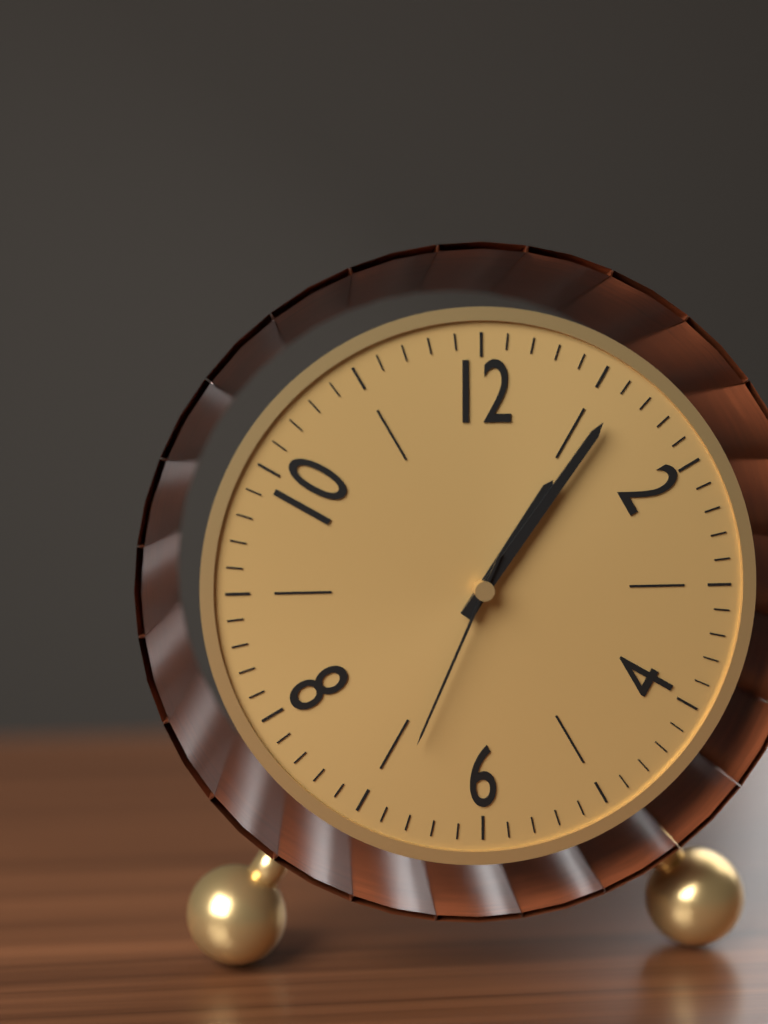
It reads 1h06m34s
